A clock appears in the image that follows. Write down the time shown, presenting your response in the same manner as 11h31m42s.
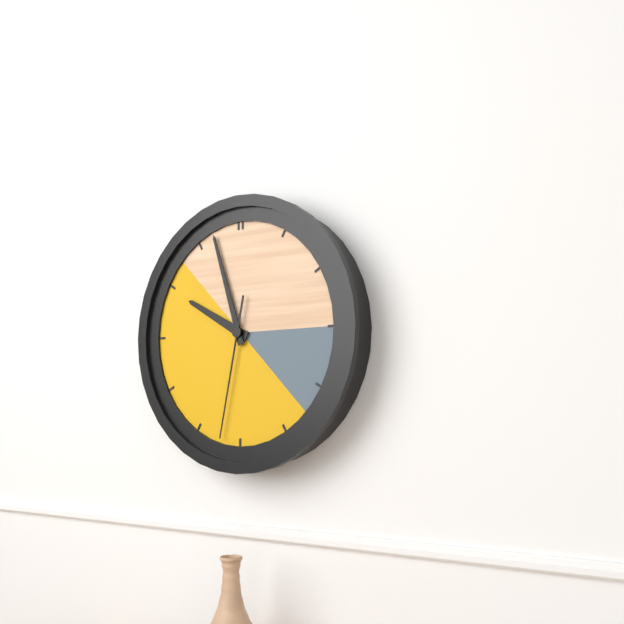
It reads 9h57m32s
